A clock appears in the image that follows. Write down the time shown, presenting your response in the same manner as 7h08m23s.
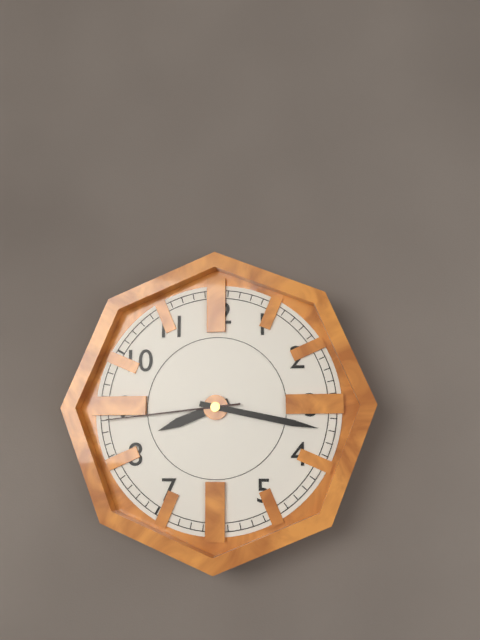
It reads 8h17m44s
